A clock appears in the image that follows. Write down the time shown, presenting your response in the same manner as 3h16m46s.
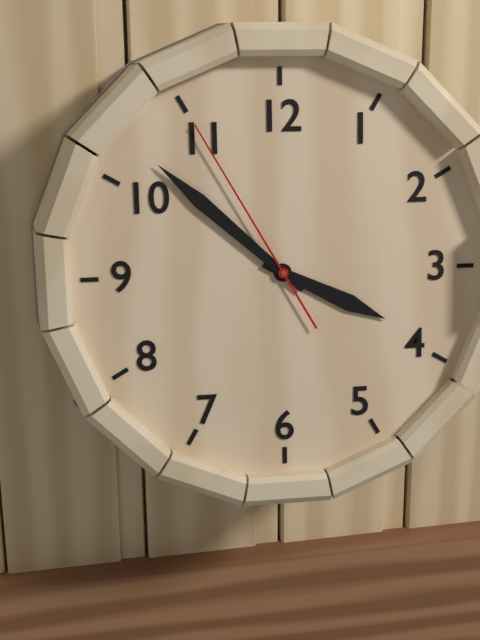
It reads 3h52m55s
